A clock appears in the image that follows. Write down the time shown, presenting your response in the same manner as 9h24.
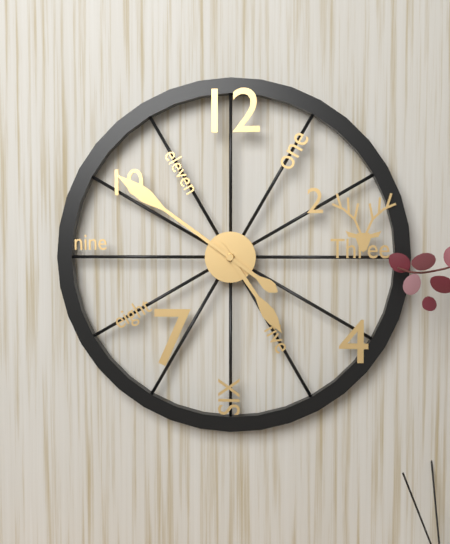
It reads 4h51
